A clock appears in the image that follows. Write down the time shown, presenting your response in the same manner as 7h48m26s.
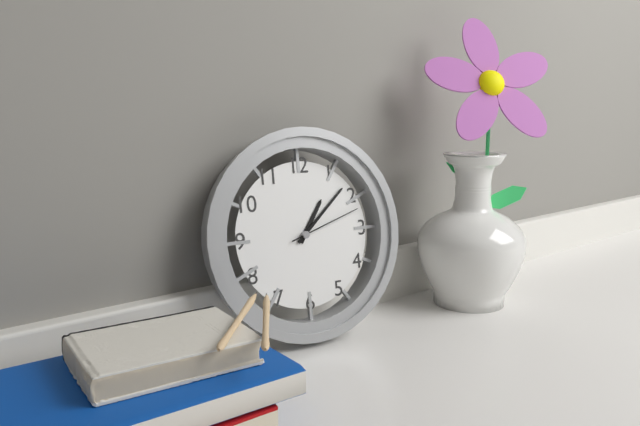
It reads 1h08m12s
